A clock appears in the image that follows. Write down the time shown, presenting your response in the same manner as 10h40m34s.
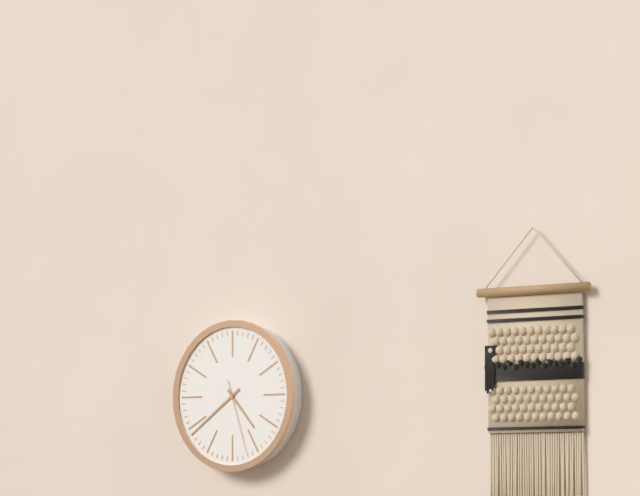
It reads 4h39m27s
